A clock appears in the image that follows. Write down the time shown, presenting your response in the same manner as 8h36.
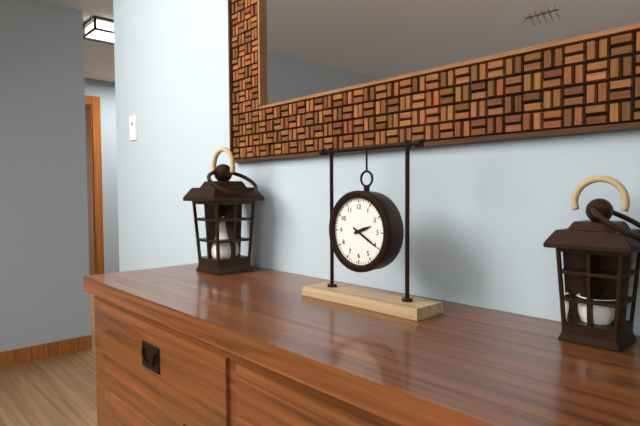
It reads 2h20
